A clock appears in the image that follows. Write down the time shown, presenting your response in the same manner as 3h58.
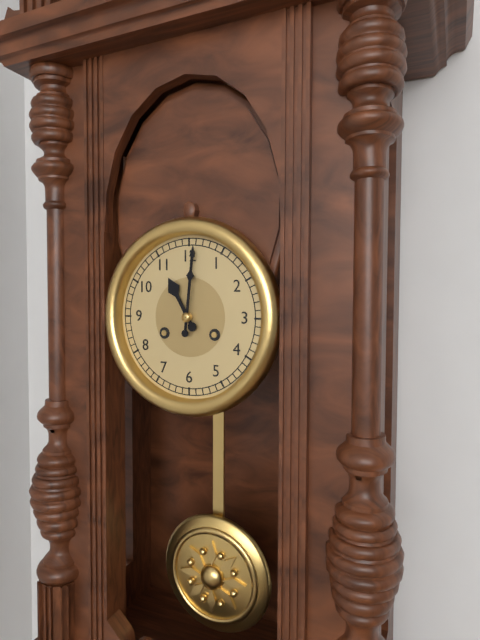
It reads 11h01
